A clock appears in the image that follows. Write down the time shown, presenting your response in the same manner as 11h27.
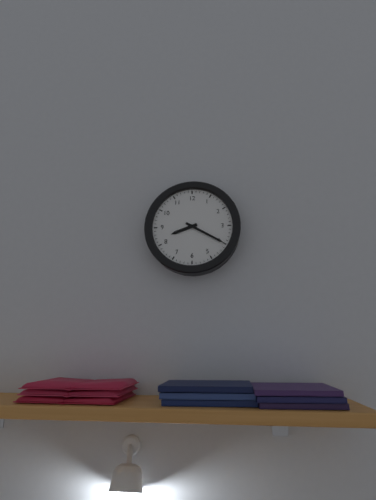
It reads 8h20
